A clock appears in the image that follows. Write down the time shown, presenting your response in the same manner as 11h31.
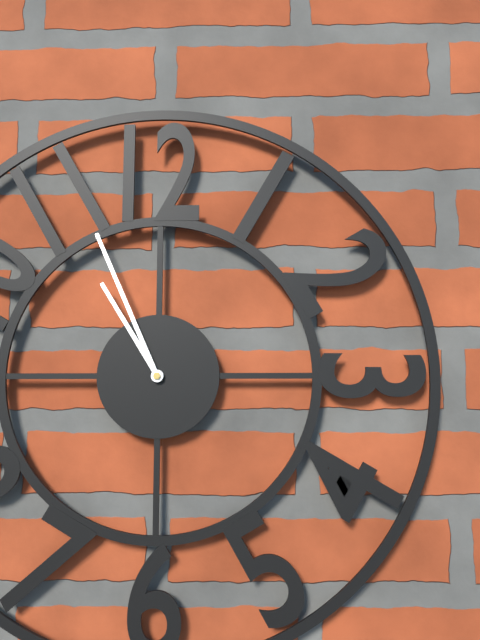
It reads 10h56
